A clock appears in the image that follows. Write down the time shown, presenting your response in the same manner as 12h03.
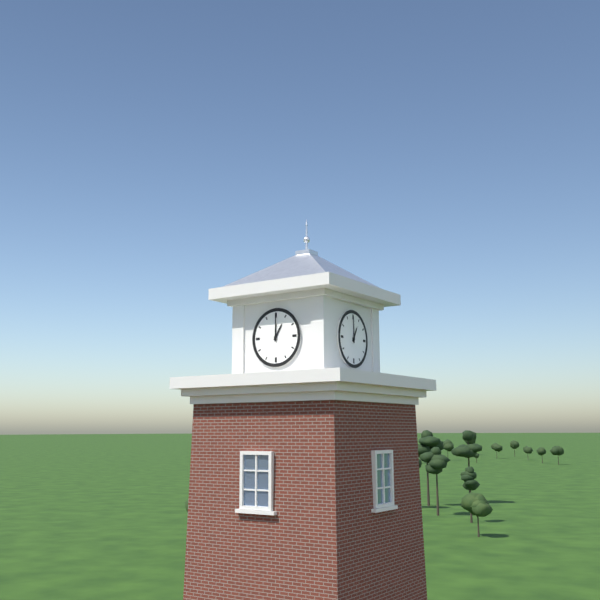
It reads 1h00
